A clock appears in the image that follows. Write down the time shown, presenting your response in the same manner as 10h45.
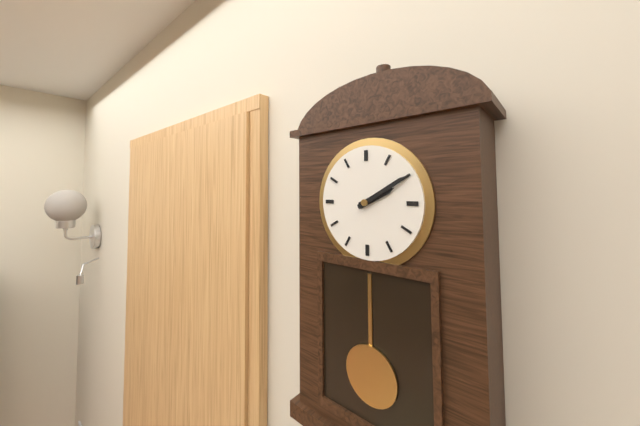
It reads 2h10
